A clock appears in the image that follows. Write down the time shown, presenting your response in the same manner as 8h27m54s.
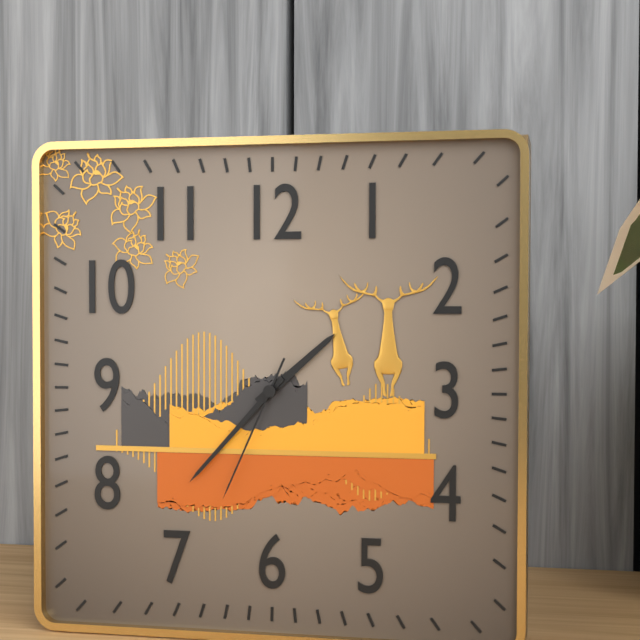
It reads 1h37m34s
